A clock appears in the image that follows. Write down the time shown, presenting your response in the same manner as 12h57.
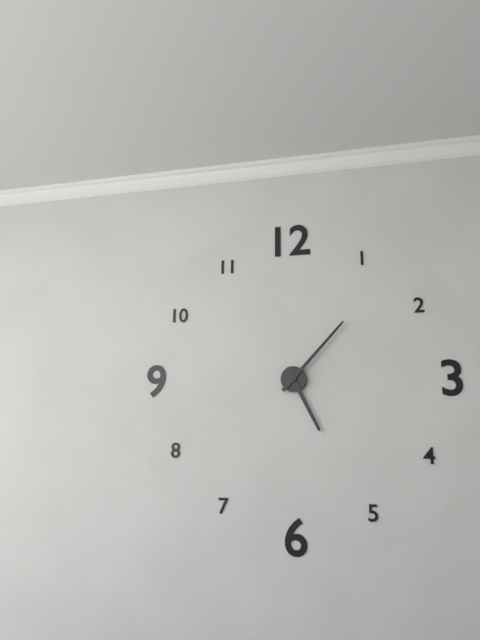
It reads 5h07
